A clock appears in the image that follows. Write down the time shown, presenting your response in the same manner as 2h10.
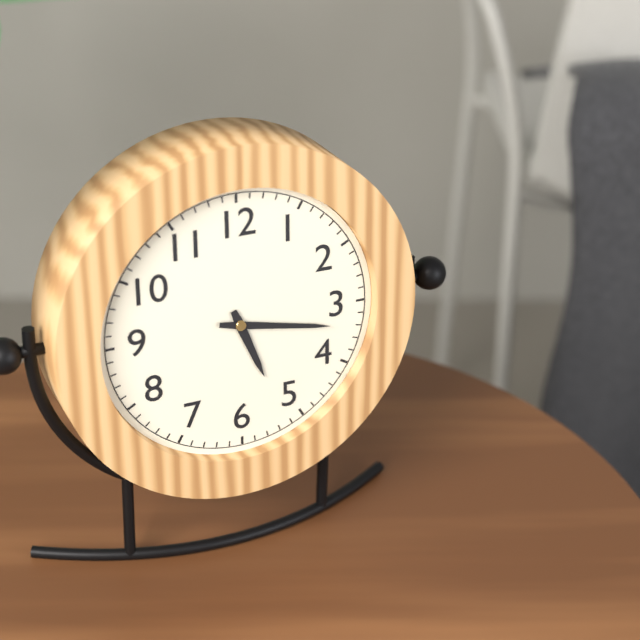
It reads 5h17
